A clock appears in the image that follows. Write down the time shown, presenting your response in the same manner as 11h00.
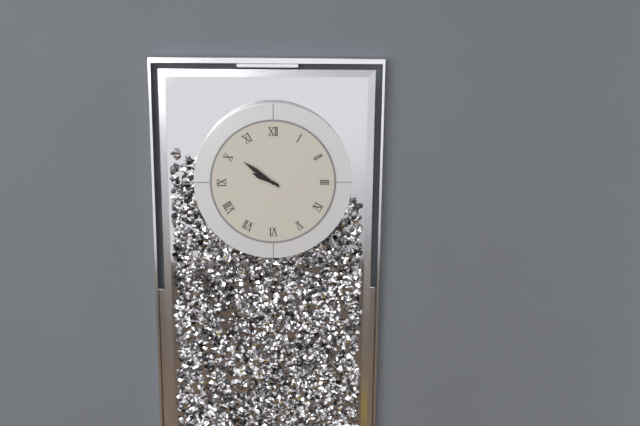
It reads 9h51
